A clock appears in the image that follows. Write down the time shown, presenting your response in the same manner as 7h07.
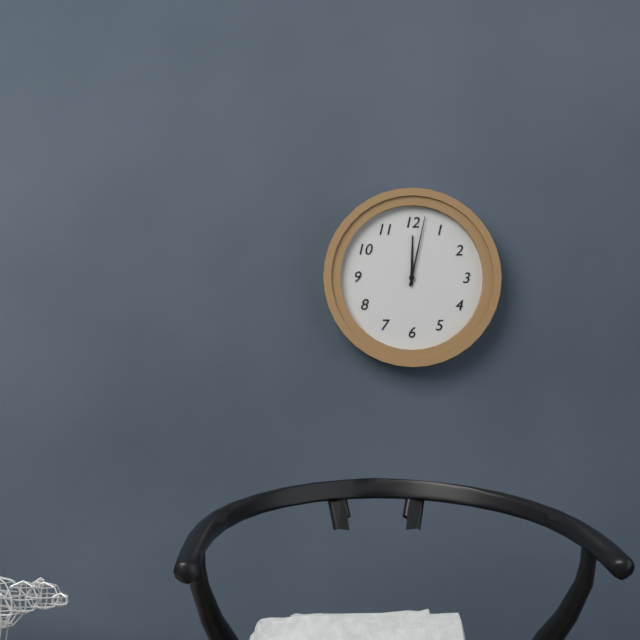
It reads 12h02
